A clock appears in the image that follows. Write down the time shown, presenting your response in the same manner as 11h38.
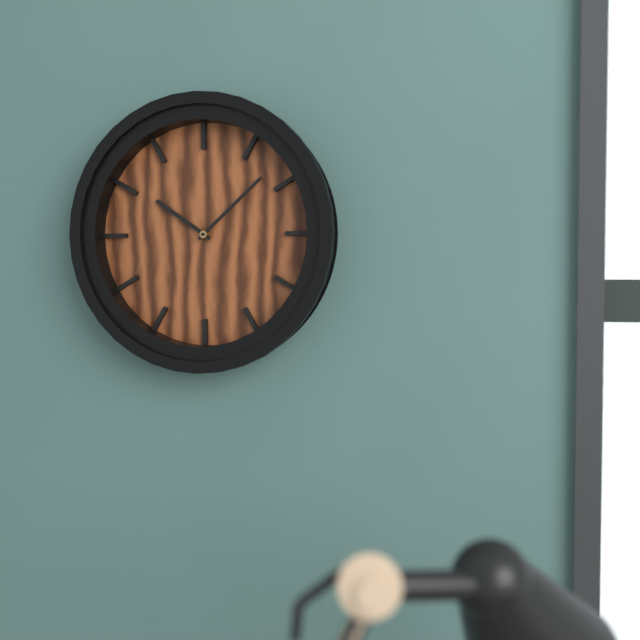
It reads 10h08
